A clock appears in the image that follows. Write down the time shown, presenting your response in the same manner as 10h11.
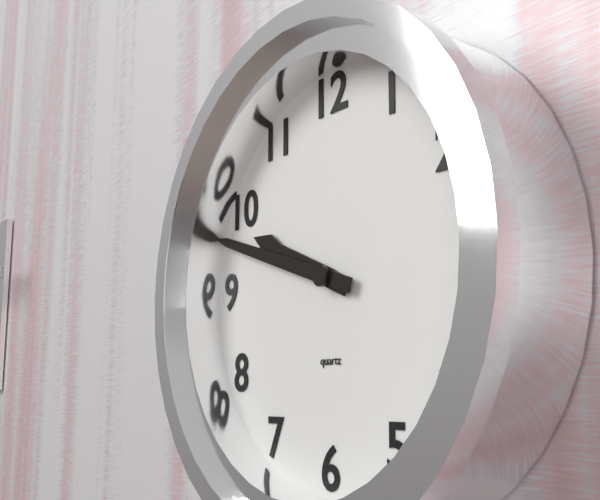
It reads 9h48
